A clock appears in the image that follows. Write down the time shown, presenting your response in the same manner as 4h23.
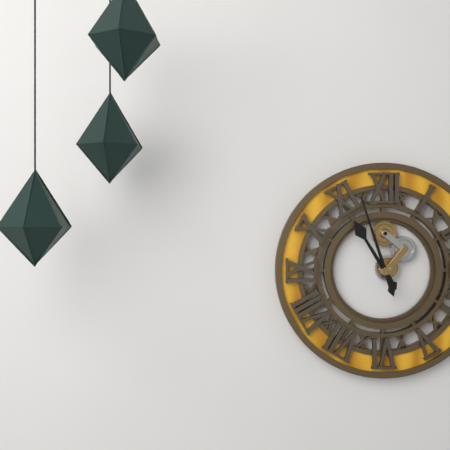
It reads 10h57
